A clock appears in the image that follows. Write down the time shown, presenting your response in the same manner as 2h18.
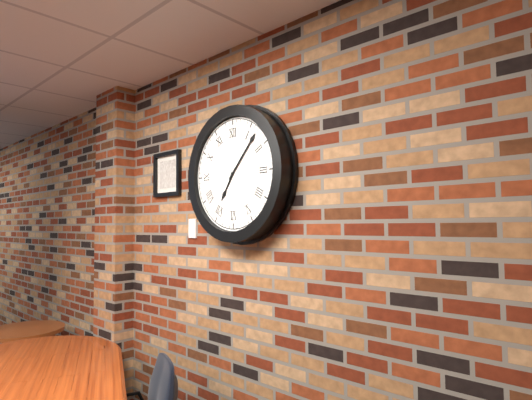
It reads 7h07
